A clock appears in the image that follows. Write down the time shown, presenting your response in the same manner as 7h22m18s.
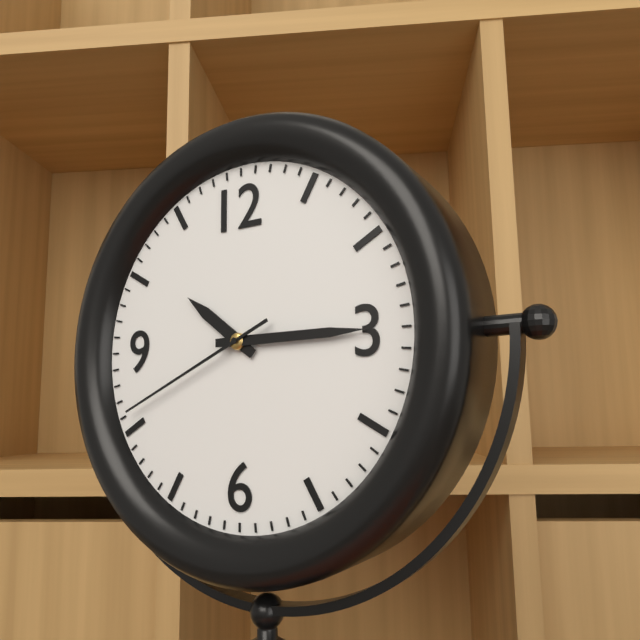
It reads 10h15m41s
